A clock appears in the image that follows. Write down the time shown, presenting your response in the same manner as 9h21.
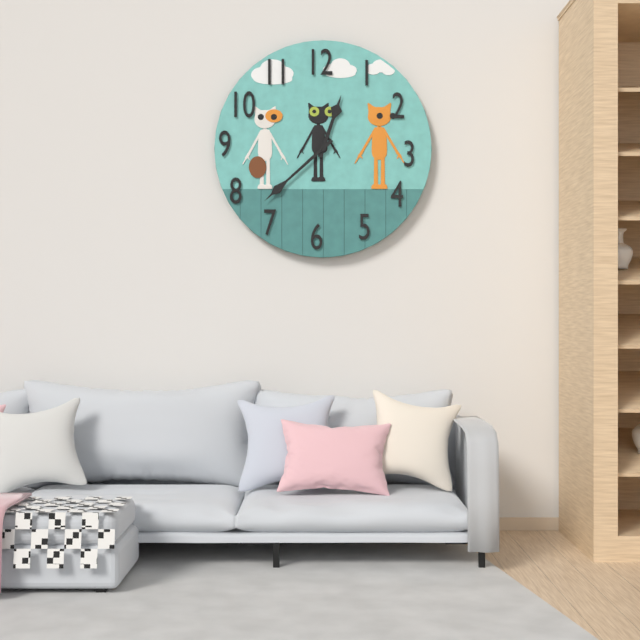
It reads 12h38
